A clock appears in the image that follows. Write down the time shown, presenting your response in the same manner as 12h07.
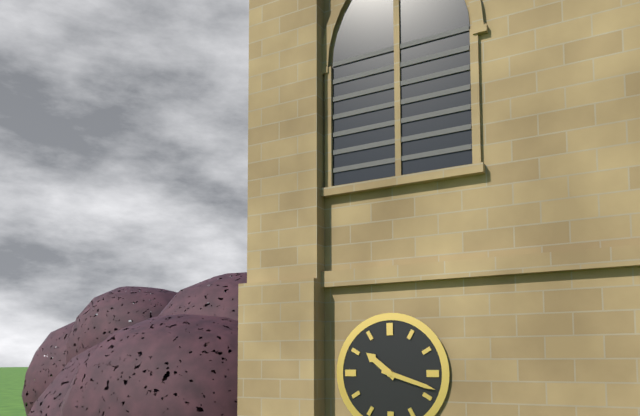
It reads 10h18
